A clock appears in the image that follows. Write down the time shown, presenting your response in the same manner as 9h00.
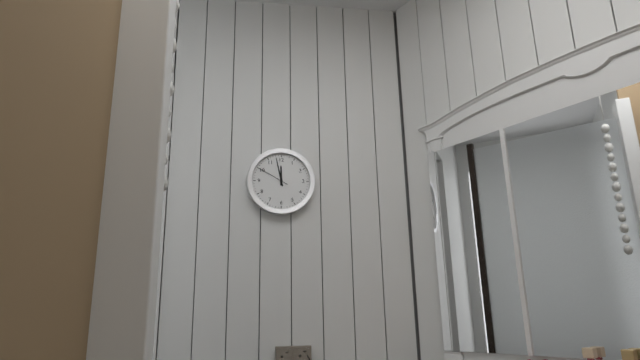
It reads 11h58
